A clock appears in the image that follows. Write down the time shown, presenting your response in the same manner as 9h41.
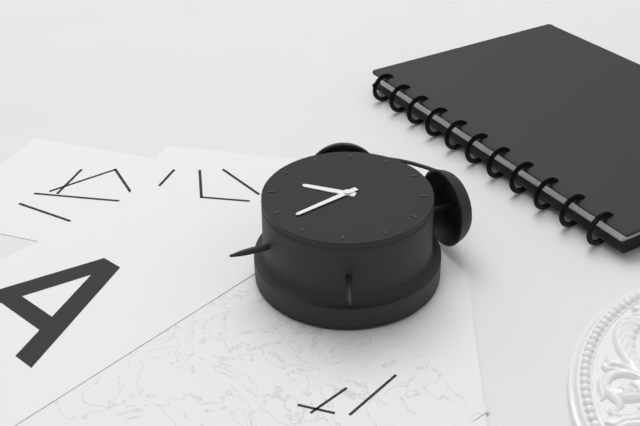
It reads 8h33
